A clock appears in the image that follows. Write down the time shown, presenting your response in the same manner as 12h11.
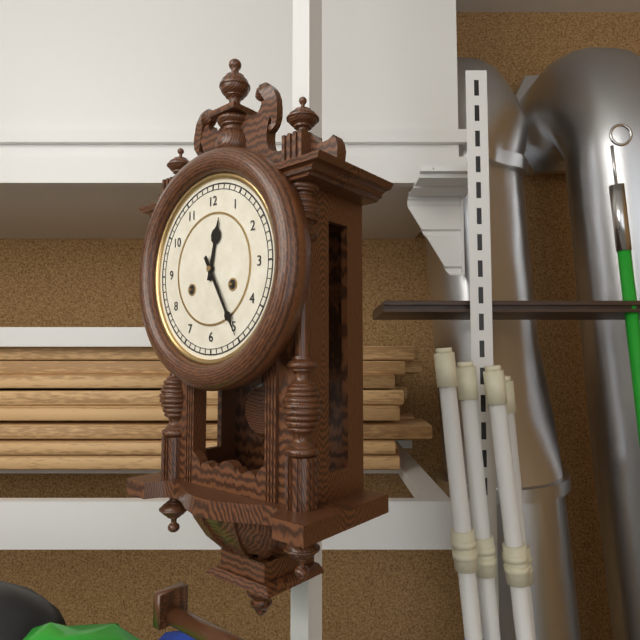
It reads 12h25
